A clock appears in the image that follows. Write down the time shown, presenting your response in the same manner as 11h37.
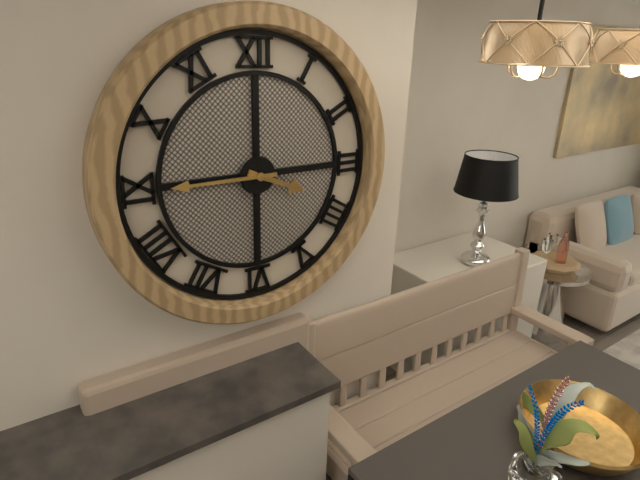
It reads 3h45
